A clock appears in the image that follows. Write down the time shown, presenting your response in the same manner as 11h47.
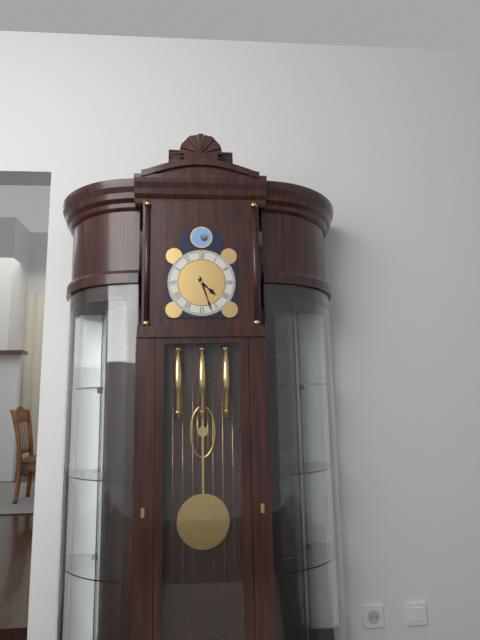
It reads 4h27
